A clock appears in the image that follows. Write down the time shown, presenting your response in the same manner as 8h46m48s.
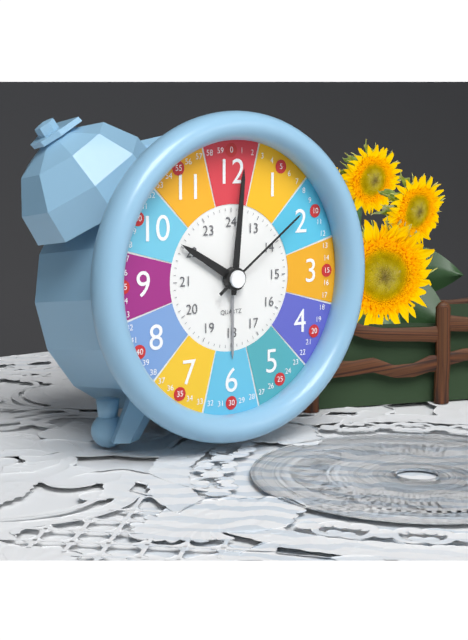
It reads 10h01m09s
